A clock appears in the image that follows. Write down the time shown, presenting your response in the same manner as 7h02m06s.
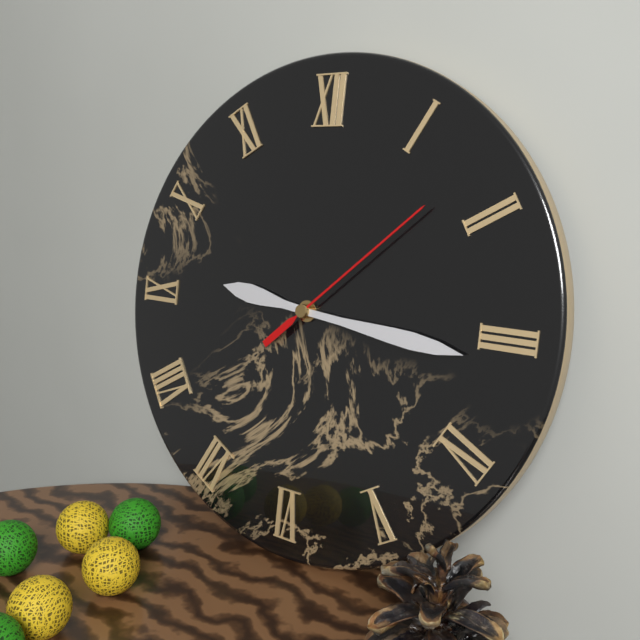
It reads 9h16m08s
